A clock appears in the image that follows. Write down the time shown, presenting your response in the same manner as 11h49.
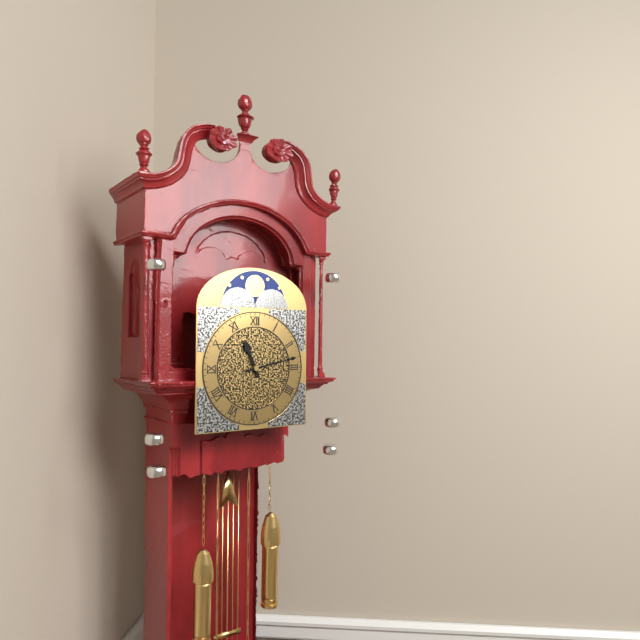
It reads 11h13
